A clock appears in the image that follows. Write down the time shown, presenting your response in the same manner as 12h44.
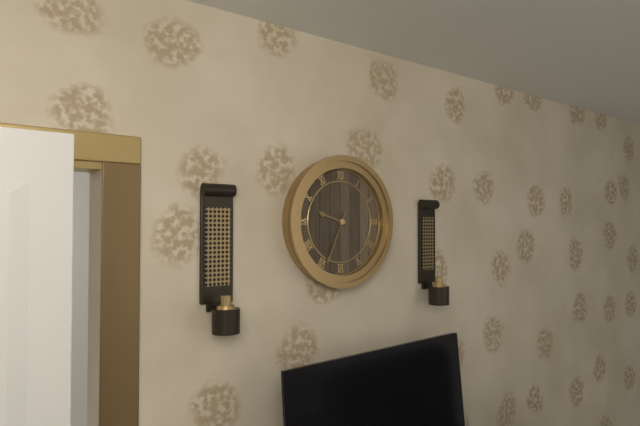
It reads 9h34
